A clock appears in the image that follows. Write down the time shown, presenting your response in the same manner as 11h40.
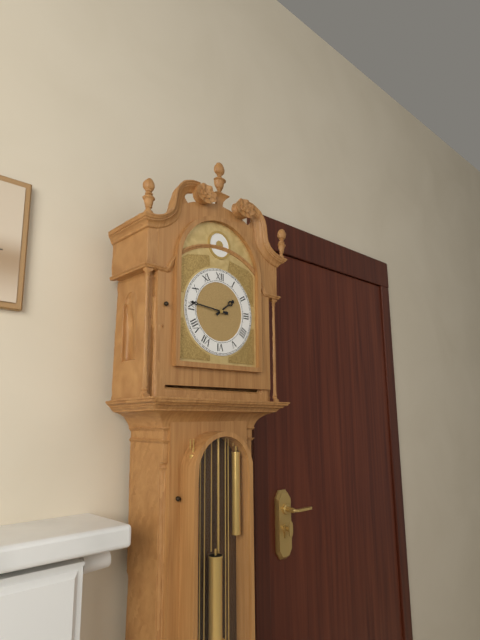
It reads 1h46
